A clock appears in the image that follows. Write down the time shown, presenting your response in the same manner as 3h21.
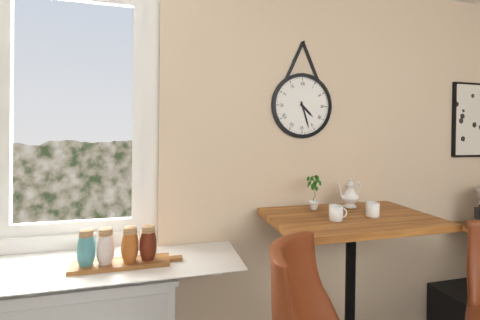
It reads 4h27
